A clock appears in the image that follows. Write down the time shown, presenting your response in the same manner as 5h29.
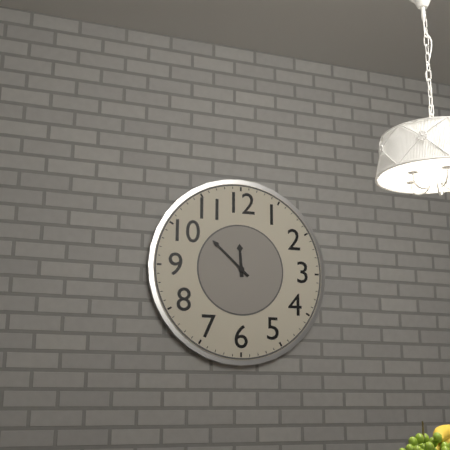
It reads 11h52
